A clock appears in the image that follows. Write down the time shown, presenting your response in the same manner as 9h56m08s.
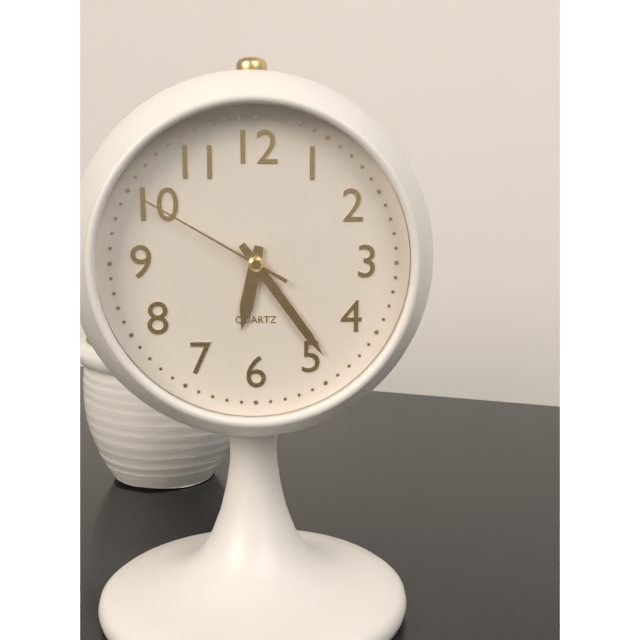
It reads 6h24m50s
